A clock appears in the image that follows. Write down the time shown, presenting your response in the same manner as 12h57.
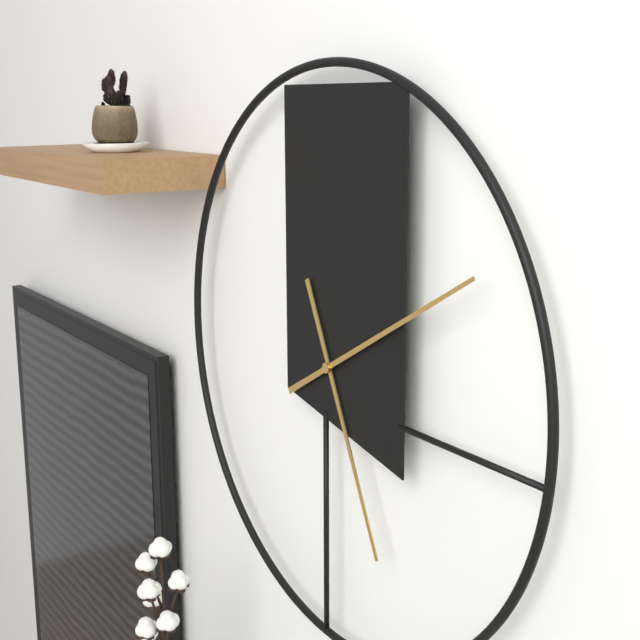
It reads 5h10
